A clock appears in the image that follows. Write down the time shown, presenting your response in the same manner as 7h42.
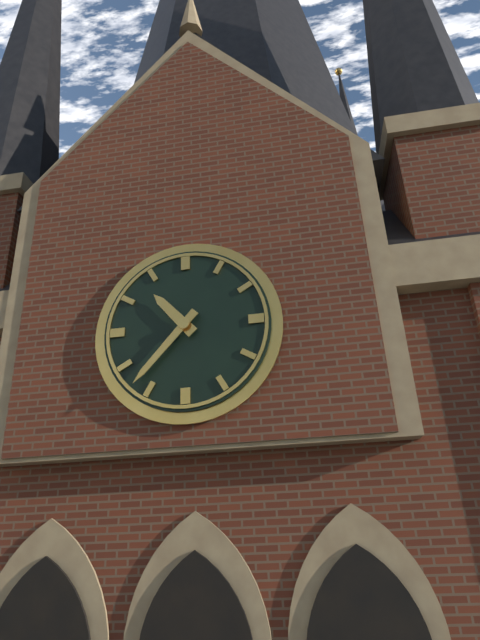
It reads 10h37
